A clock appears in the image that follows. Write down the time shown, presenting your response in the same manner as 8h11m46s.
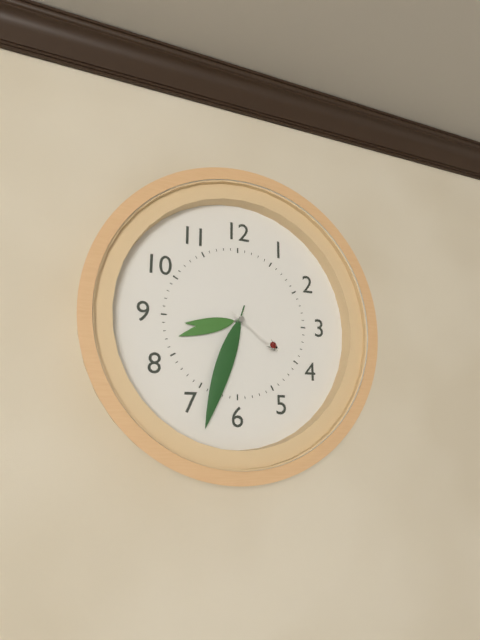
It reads 8h33m21s
